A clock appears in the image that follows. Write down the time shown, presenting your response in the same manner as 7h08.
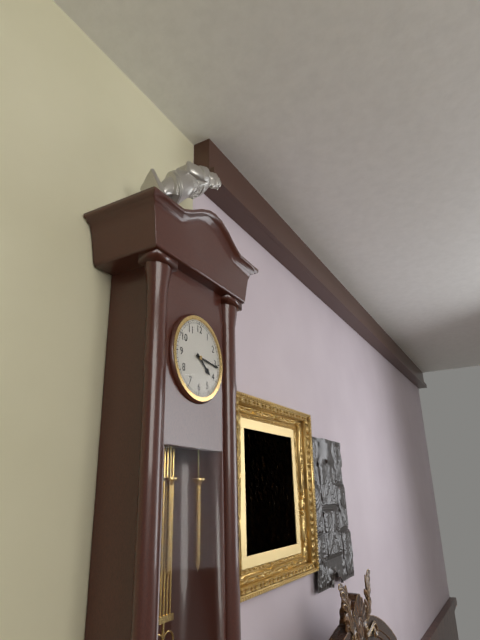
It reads 4h16
